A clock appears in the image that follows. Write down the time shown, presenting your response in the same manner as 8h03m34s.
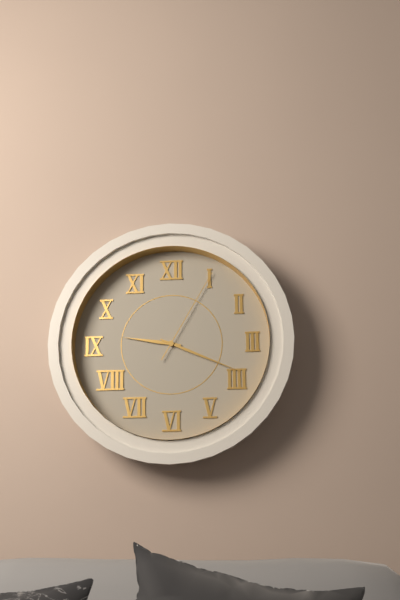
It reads 9h19m05s
